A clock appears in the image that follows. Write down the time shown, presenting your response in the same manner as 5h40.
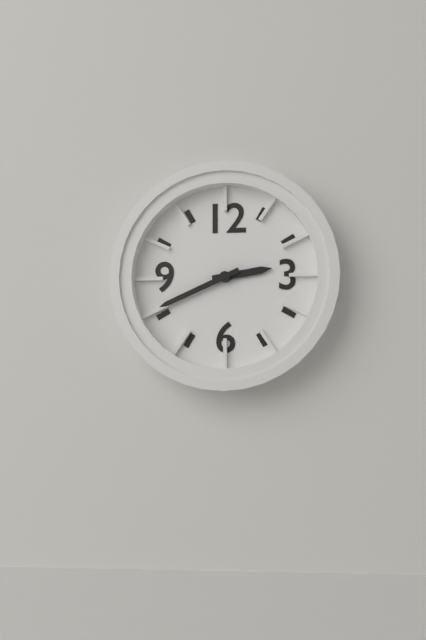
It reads 2h41
